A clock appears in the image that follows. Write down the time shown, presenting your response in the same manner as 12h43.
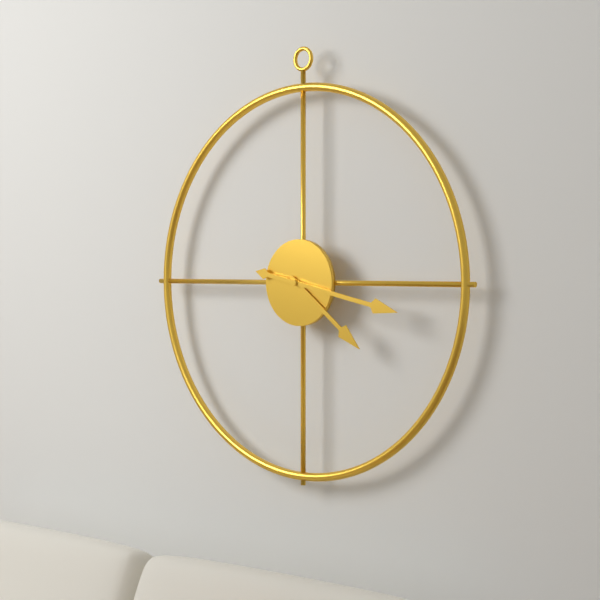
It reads 4h17
